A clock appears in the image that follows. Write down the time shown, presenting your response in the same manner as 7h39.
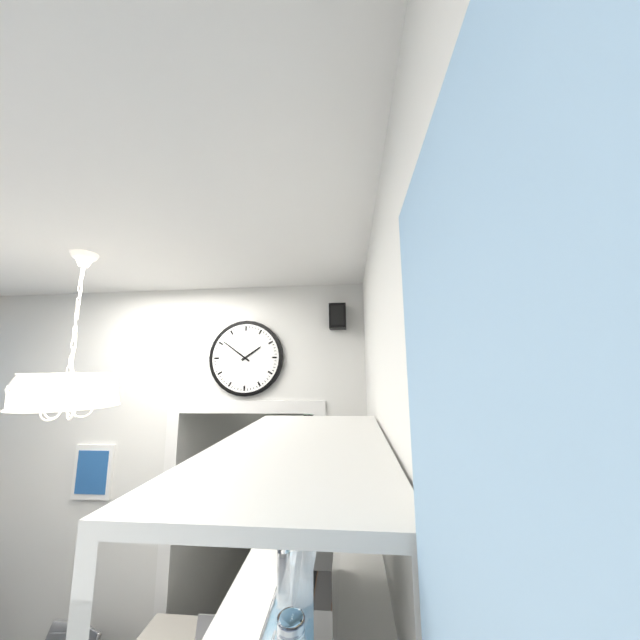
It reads 1h51
